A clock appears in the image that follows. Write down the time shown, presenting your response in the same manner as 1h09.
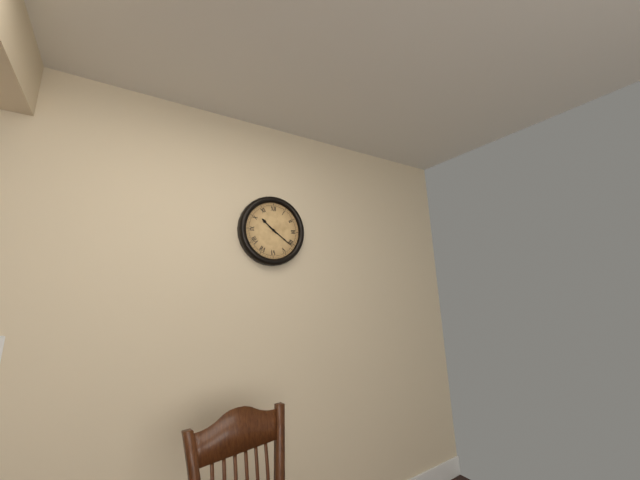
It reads 10h21
